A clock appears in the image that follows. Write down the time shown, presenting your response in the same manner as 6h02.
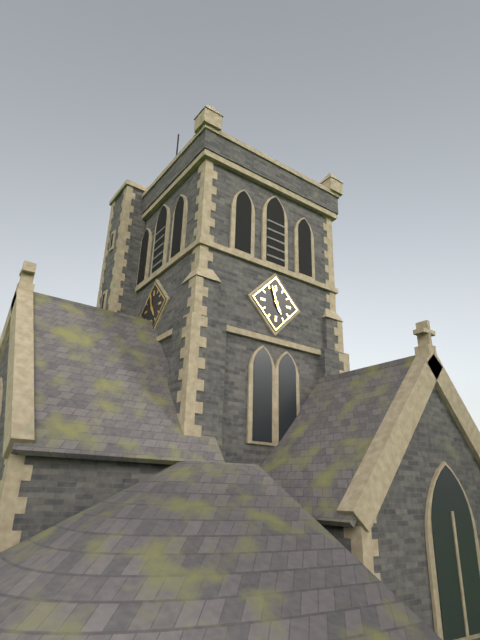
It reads 4h57
